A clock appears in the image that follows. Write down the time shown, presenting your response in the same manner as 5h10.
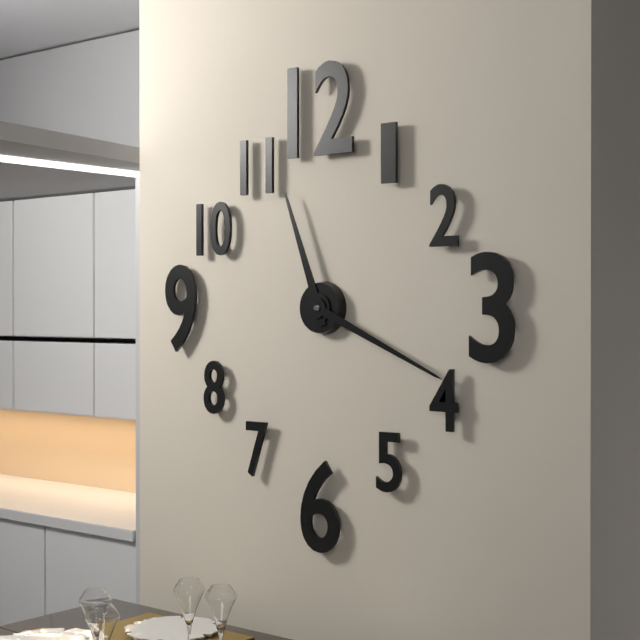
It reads 11h19
